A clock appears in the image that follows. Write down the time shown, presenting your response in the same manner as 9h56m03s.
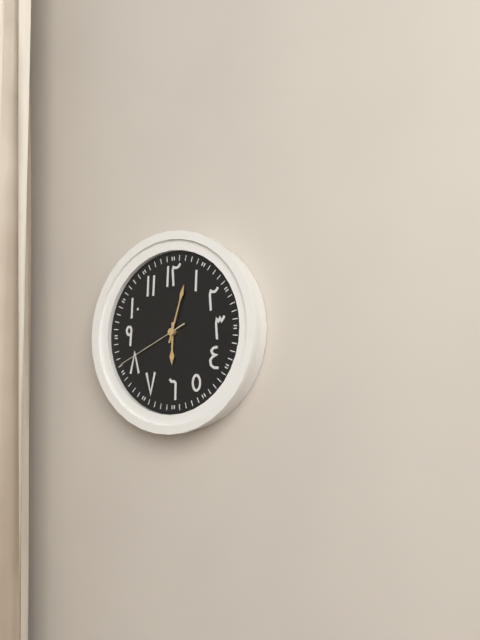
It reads 6h03m41s
